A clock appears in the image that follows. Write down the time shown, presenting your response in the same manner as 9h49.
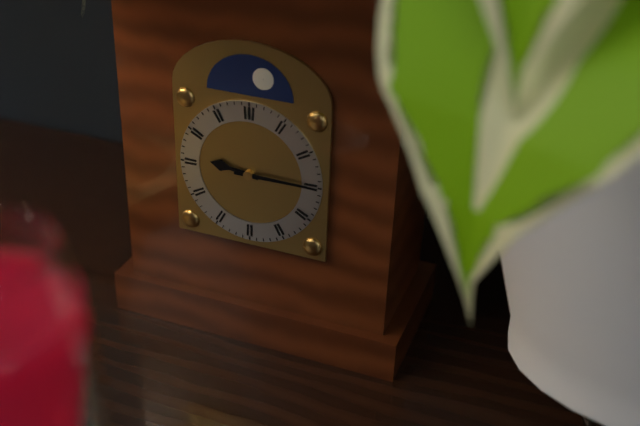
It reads 9h15
